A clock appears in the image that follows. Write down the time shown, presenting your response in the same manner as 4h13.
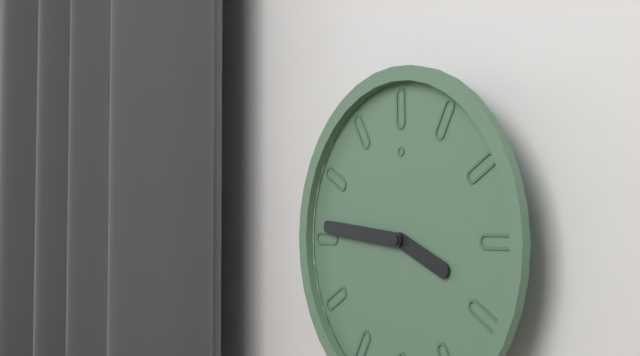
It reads 3h46
